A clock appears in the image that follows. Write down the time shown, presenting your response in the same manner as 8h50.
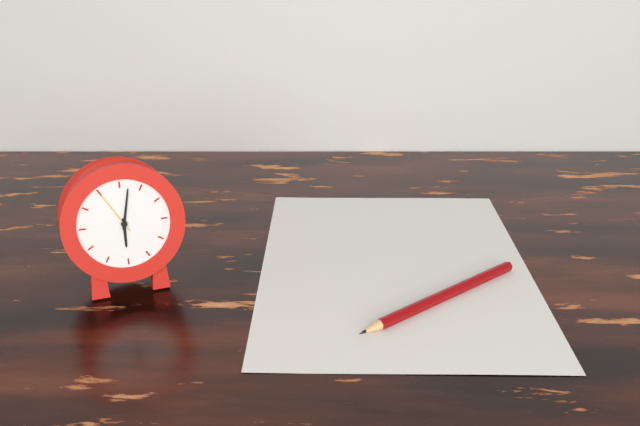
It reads 6h02
